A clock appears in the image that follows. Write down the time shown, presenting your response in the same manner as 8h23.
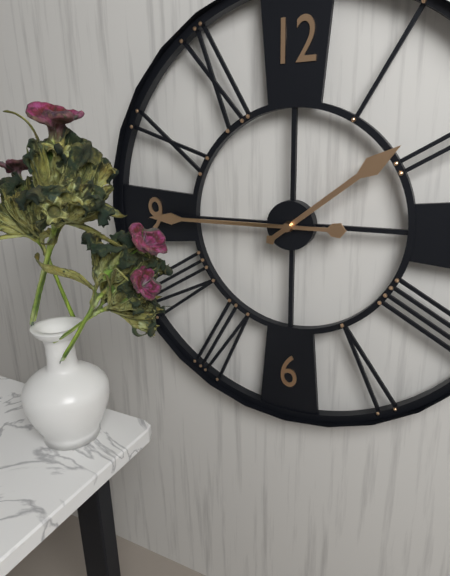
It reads 1h45
